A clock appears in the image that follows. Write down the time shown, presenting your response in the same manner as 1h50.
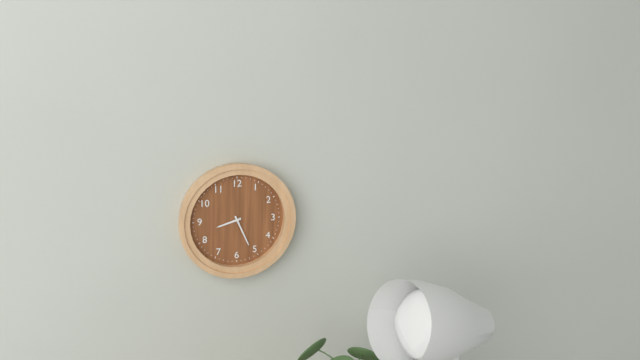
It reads 8h26
